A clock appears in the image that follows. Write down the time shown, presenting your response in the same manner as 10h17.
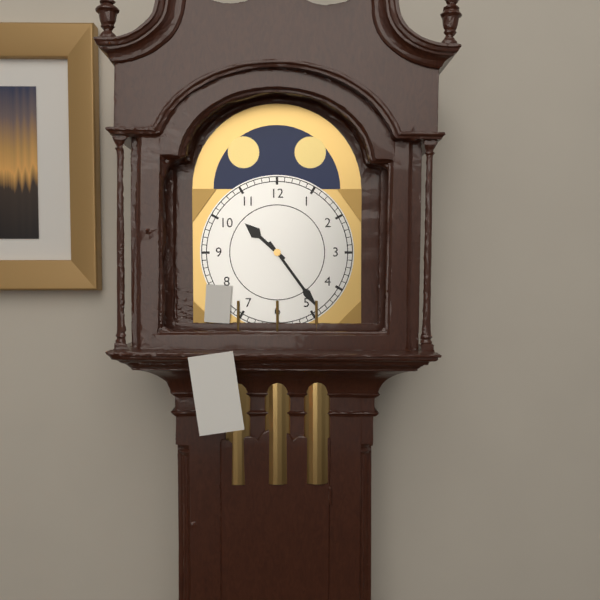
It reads 10h24
